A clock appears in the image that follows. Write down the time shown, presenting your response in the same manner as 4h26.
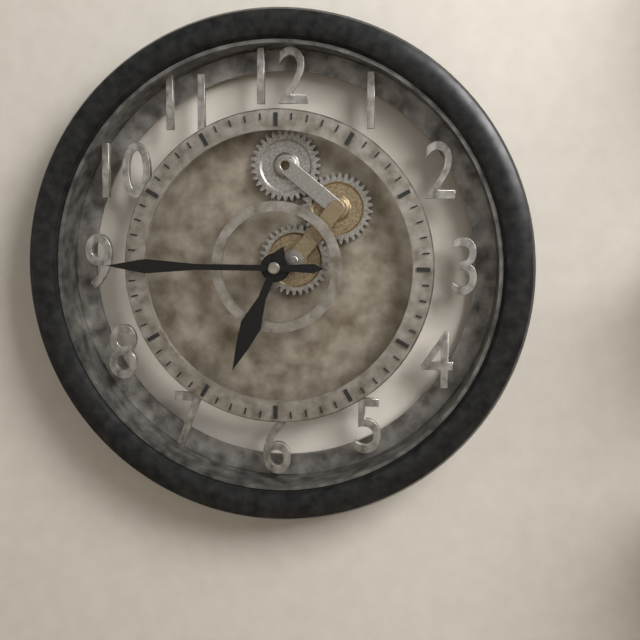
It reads 6h45
